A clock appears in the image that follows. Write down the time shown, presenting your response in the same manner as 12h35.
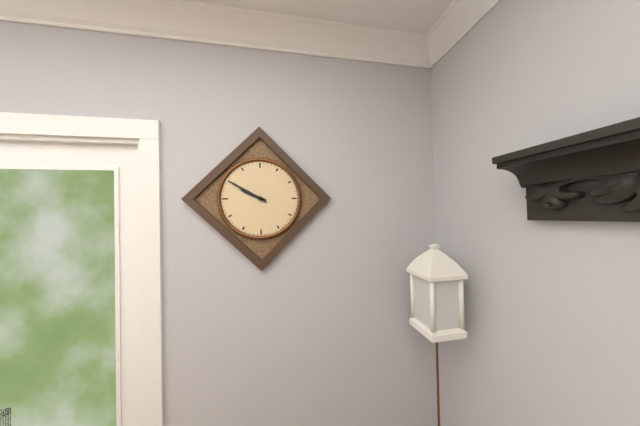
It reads 9h50
